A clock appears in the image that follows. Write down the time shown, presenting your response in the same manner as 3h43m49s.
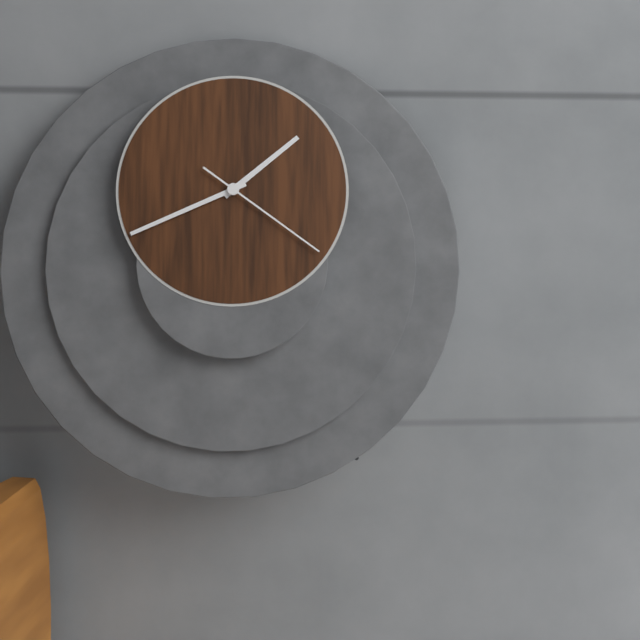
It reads 1h41m21s
